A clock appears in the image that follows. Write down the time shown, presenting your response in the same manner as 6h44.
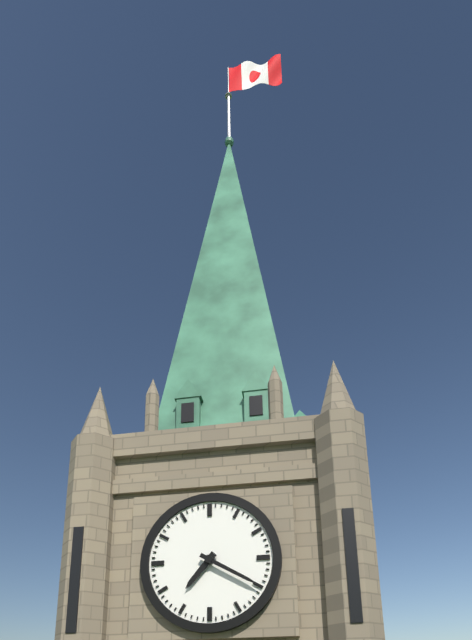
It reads 7h20
